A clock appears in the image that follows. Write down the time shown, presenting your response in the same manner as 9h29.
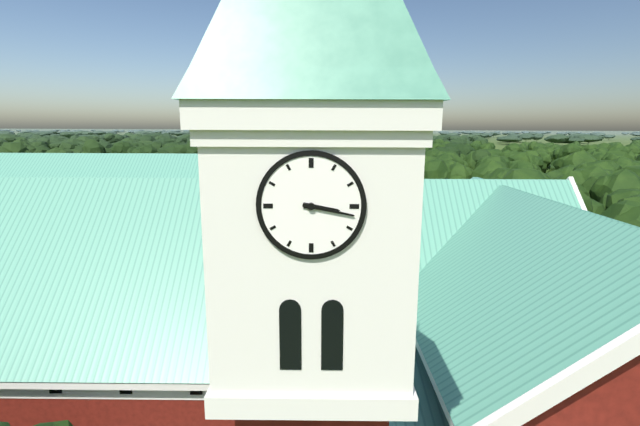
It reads 3h17
